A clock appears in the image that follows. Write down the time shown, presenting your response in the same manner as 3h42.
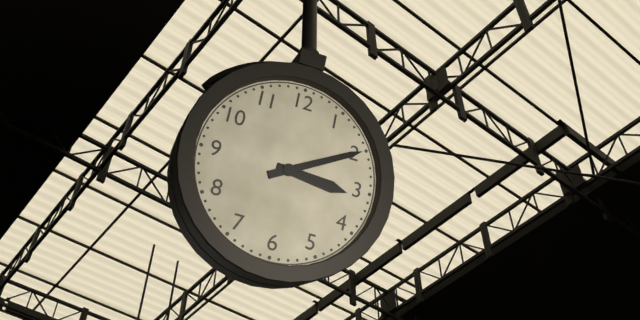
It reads 3h10
